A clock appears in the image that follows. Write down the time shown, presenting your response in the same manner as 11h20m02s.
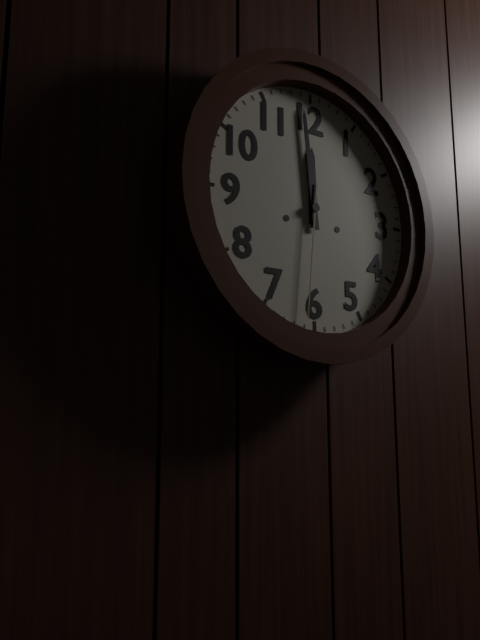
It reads 11h59m31s
